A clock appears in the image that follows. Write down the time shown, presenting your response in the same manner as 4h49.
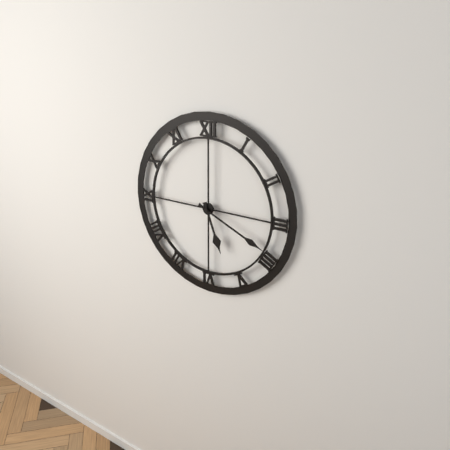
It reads 5h19
